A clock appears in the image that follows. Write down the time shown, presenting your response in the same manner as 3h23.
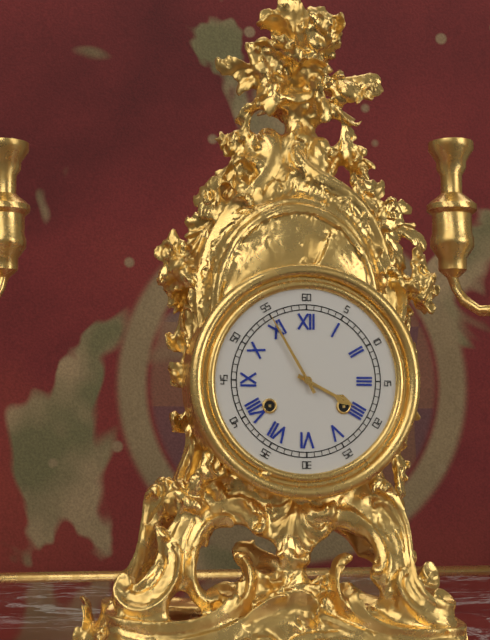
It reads 3h55
